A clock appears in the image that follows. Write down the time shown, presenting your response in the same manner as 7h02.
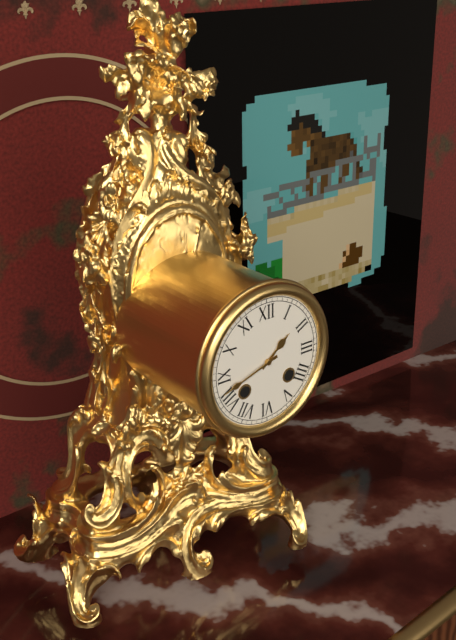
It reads 1h42
